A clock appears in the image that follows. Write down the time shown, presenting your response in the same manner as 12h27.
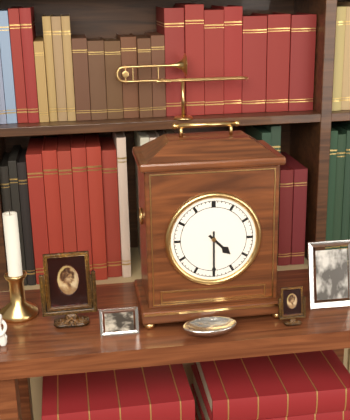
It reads 4h30
